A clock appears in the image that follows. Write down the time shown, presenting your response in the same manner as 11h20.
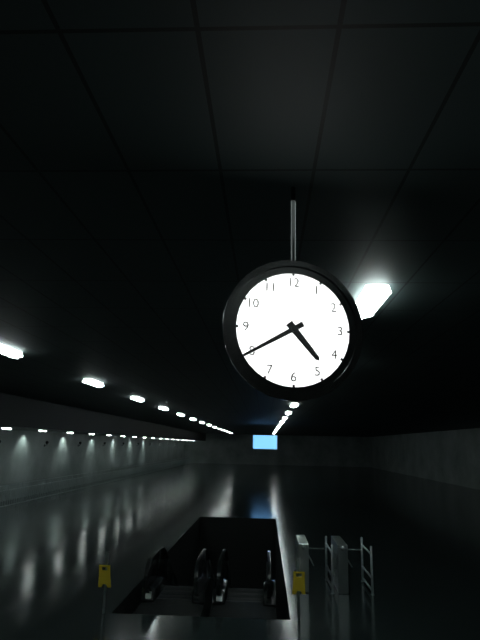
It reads 4h40
